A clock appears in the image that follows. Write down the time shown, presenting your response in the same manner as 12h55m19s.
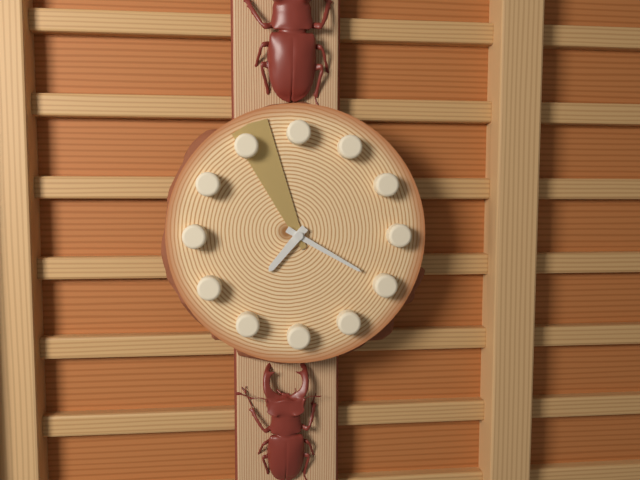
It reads 7h20m56s
